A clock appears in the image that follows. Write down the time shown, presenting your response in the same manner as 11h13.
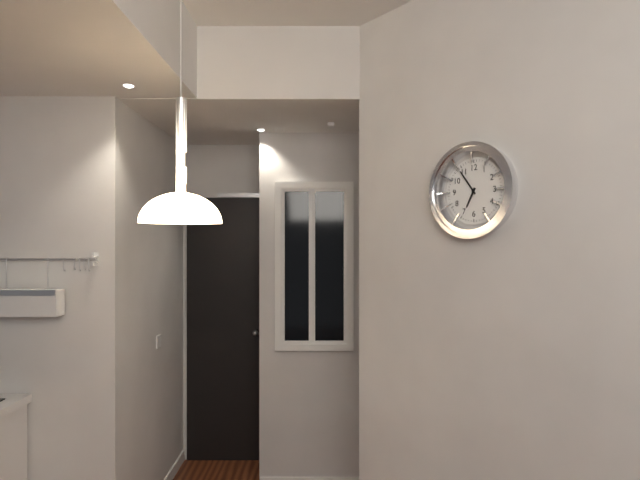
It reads 6h54
